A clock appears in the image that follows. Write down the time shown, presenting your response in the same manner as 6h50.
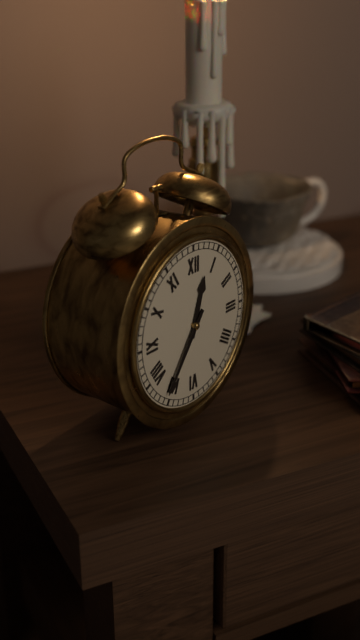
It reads 12h36
